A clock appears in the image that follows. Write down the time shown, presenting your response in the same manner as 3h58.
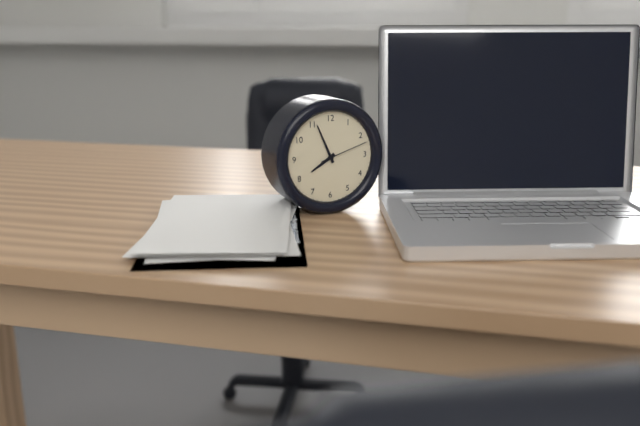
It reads 7h56
